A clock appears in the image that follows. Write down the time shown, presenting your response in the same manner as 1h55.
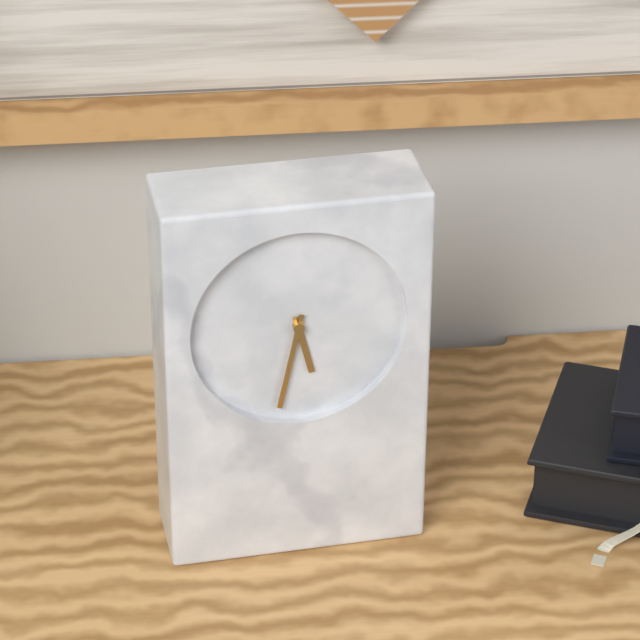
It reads 5h32
